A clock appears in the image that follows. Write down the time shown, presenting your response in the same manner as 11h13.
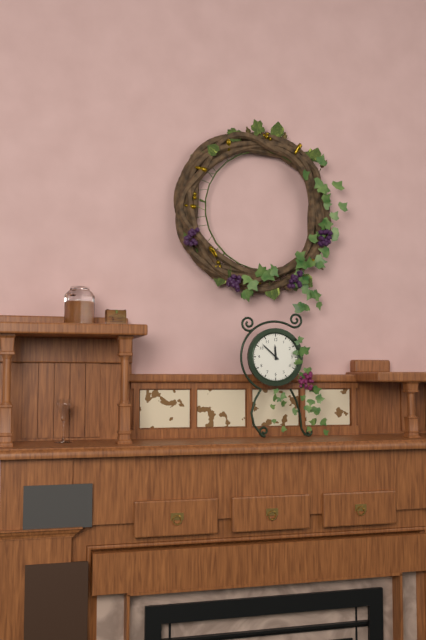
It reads 11h52
